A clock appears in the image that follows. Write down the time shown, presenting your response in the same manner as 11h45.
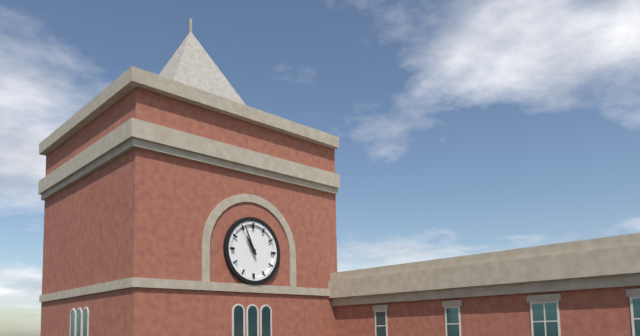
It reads 10h56
